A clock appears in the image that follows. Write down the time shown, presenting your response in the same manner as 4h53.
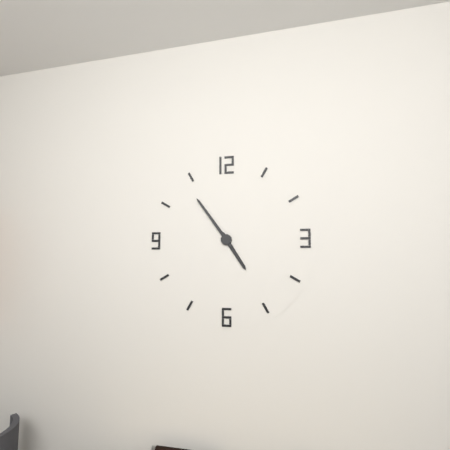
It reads 4h54
